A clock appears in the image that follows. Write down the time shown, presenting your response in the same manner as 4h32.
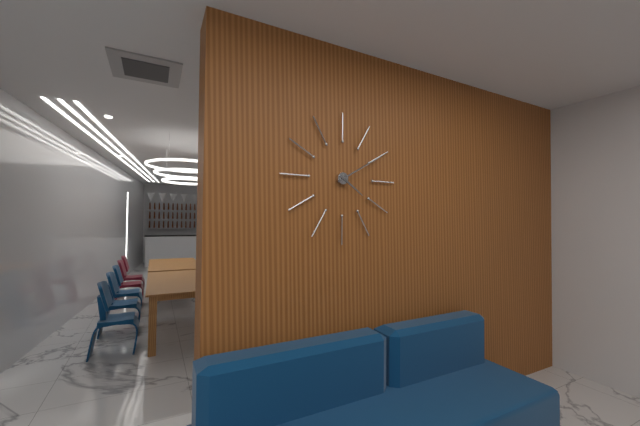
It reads 4h10
